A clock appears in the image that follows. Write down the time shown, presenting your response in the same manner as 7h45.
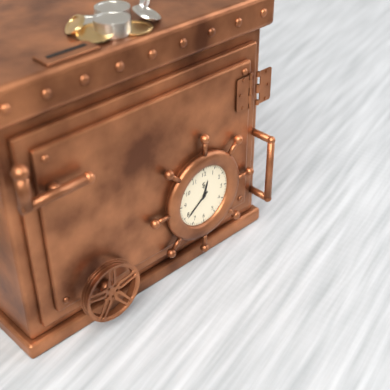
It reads 12h39
